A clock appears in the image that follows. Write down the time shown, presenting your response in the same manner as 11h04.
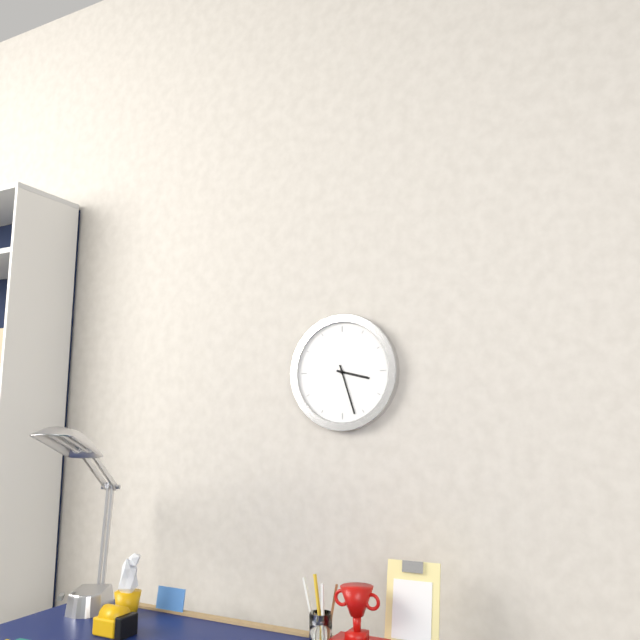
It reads 3h27
